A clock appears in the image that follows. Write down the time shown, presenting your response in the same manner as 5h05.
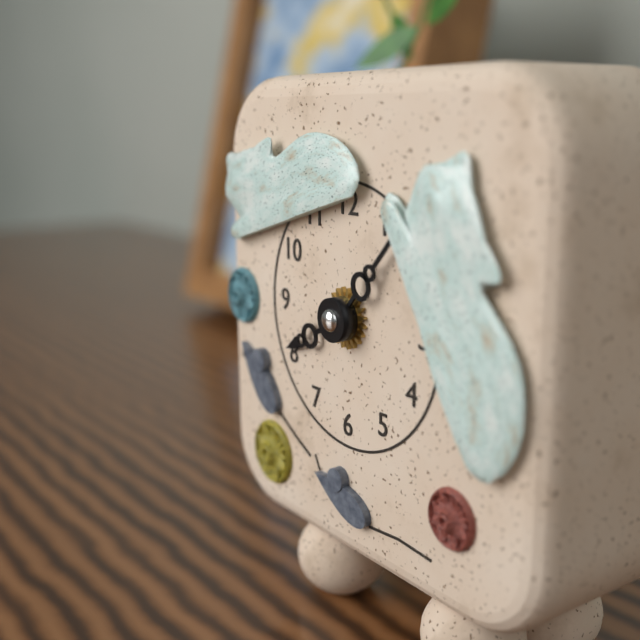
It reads 8h07
